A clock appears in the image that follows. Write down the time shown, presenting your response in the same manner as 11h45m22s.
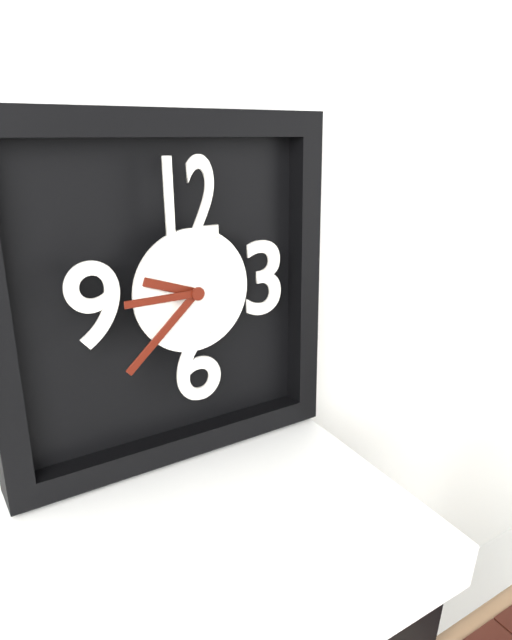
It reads 9h38m45s
